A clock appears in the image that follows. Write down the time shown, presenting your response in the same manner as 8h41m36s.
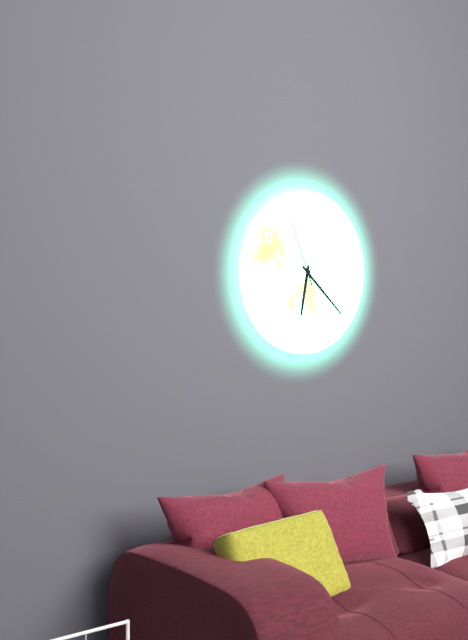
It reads 6h22m56s
